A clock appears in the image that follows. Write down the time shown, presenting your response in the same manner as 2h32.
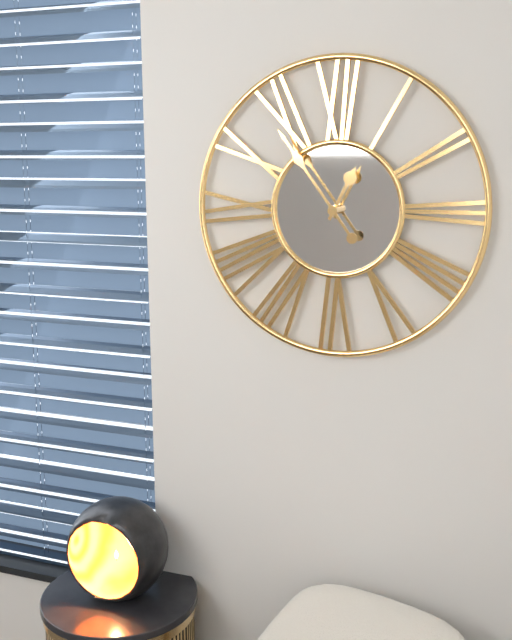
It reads 12h54
